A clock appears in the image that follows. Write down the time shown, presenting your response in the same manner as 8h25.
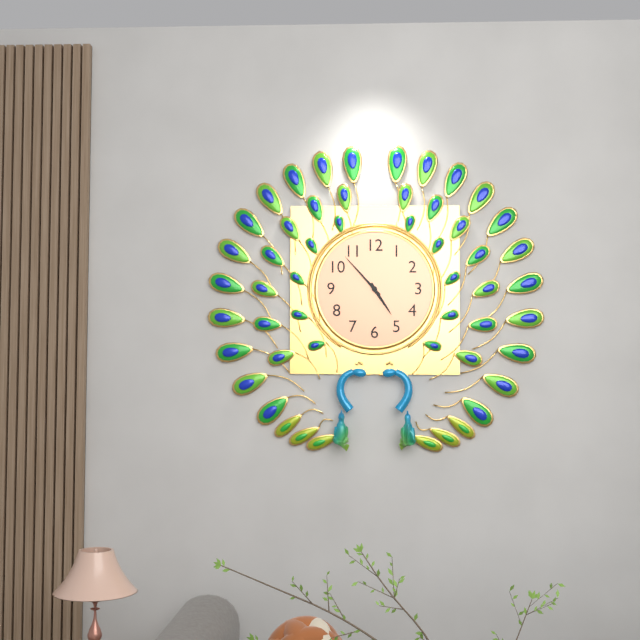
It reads 4h53
